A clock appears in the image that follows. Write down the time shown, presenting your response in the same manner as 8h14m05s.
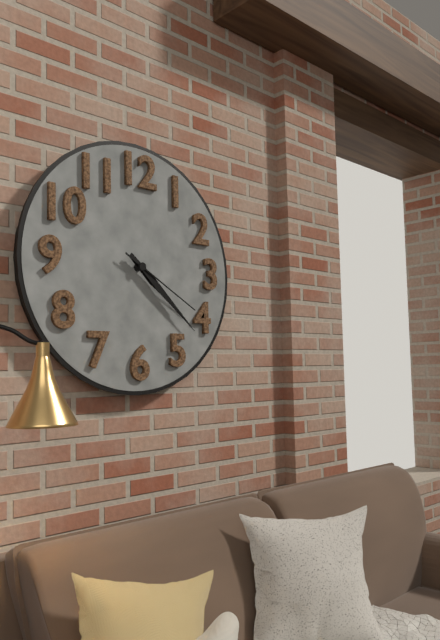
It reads 4h22m20s
